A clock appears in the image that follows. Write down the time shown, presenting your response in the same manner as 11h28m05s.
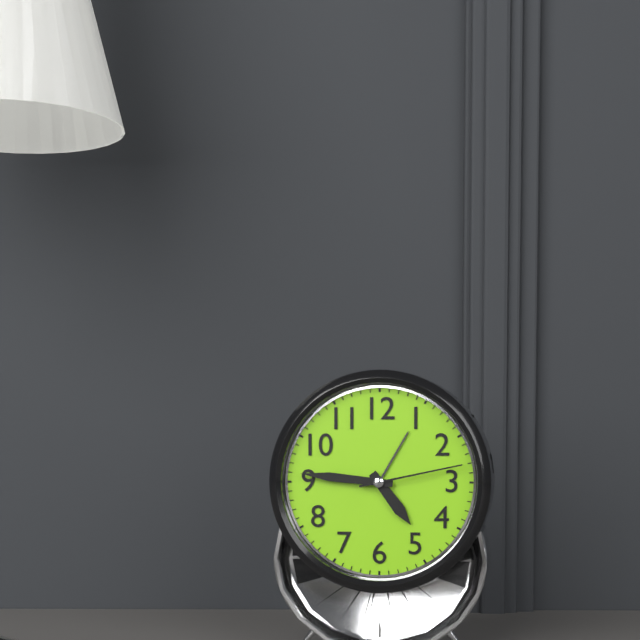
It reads 4h46m13s
